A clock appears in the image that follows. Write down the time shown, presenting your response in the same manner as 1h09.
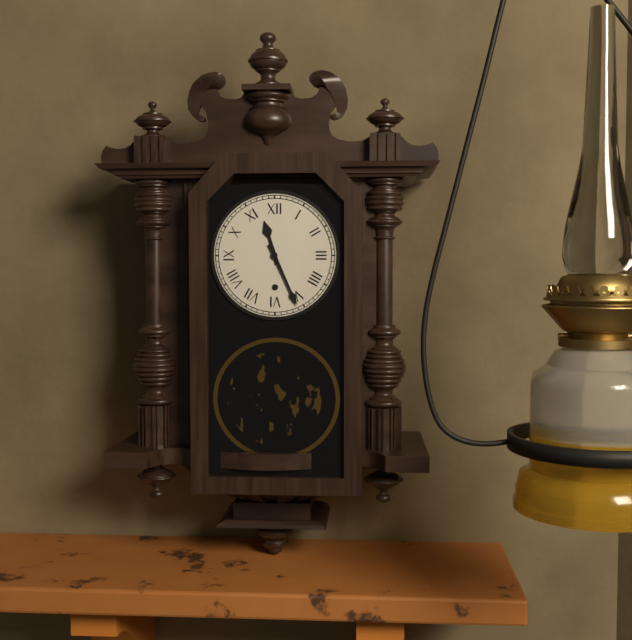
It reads 11h26
